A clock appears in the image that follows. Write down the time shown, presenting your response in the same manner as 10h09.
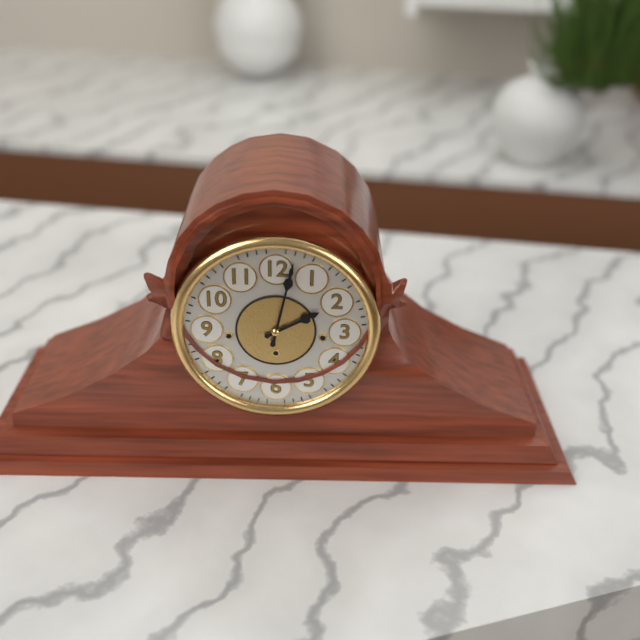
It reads 2h02
